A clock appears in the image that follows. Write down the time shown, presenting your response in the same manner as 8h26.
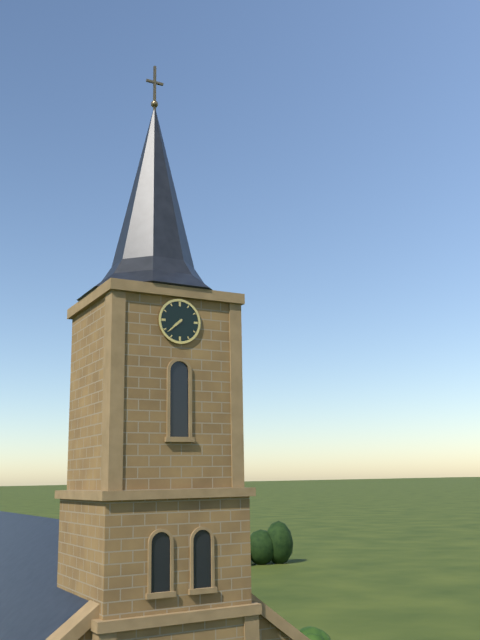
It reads 7h38
